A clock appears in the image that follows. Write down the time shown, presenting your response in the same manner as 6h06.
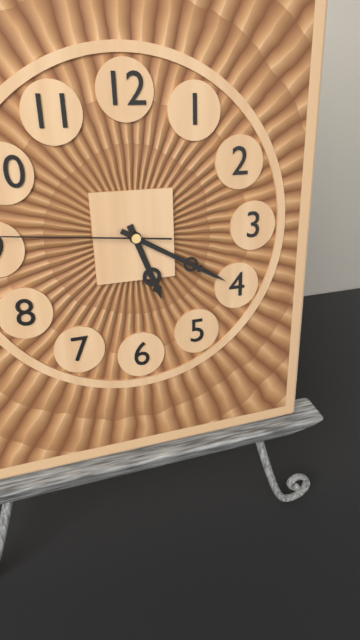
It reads 5h20
